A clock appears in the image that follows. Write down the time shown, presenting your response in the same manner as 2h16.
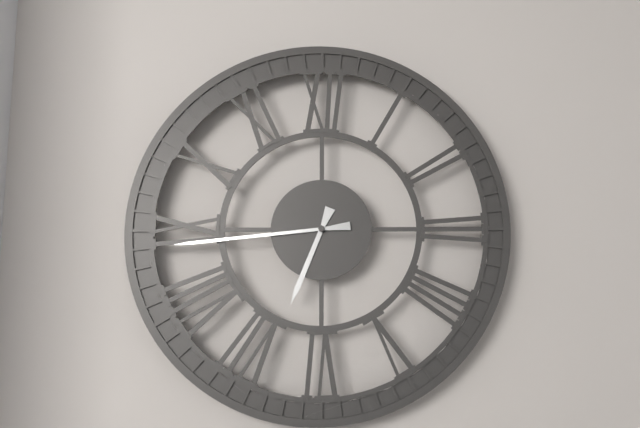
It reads 6h44
